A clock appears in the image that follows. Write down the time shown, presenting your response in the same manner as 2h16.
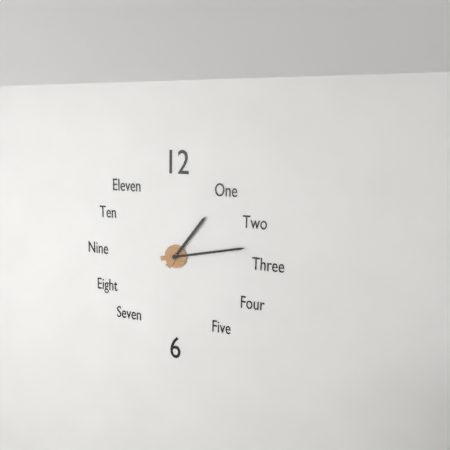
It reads 1h13
